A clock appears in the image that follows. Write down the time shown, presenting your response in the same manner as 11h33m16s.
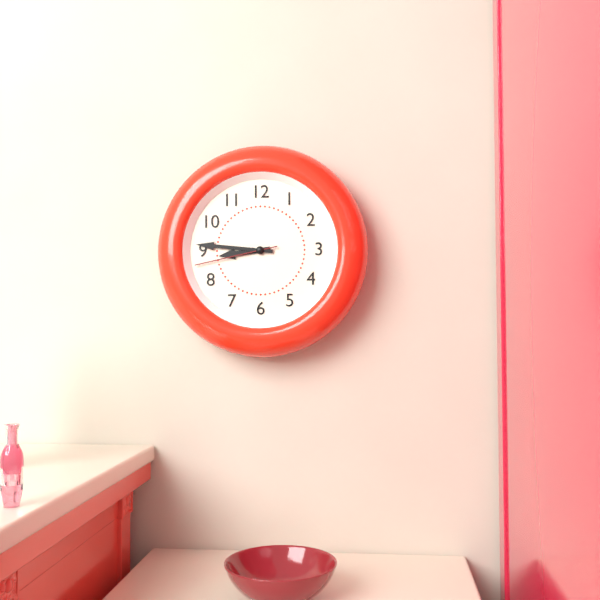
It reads 8h46m43s
